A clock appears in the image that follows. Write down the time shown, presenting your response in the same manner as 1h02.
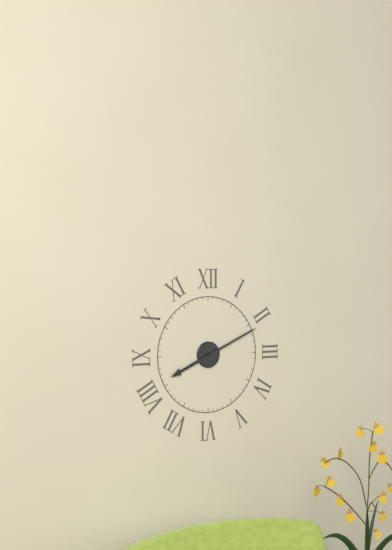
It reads 8h11
